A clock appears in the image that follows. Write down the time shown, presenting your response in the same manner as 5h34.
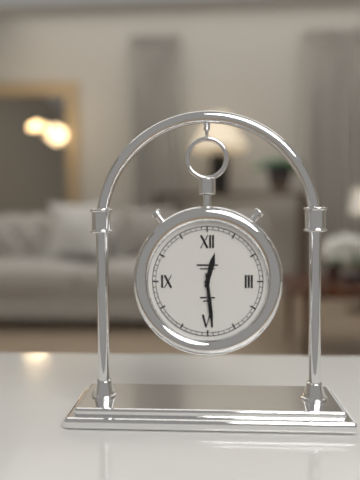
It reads 12h29
